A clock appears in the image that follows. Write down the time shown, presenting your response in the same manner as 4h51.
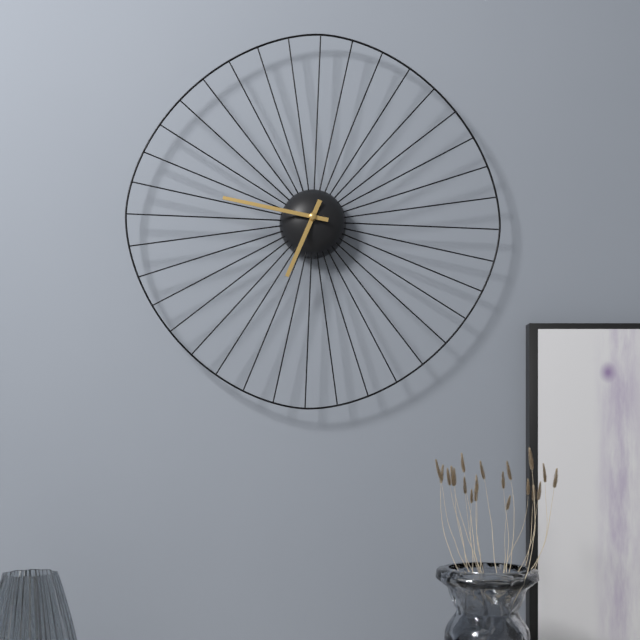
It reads 6h47
